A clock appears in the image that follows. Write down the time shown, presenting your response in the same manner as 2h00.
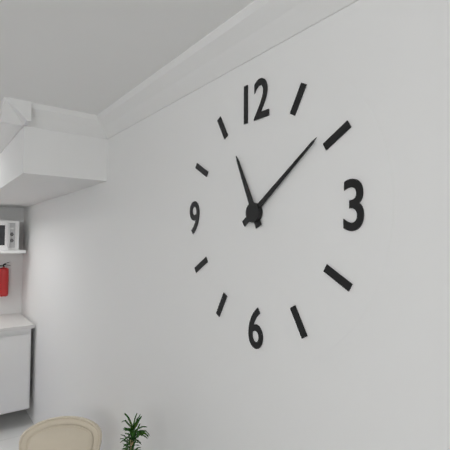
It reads 11h09
